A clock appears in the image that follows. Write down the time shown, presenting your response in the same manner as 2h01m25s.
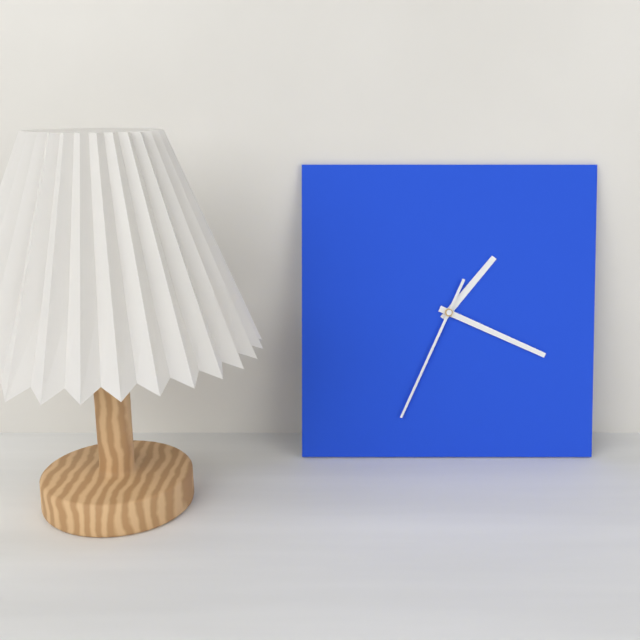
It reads 1h19m34s
